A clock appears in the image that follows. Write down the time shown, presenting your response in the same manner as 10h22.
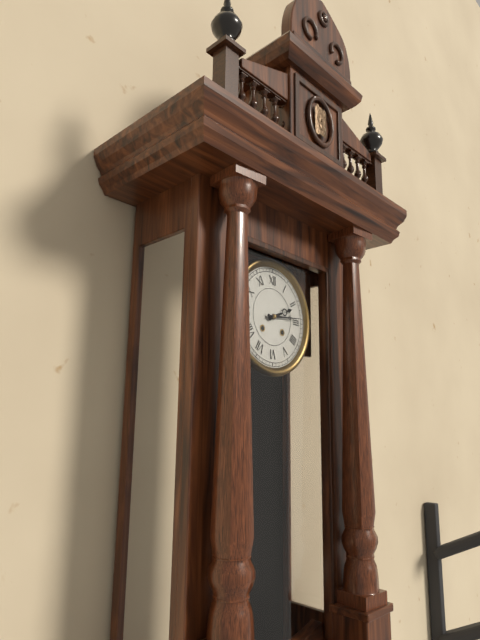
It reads 2h14
